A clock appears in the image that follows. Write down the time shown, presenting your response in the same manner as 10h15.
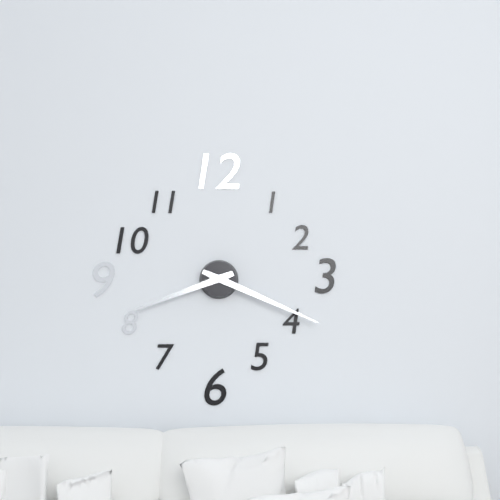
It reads 8h19
